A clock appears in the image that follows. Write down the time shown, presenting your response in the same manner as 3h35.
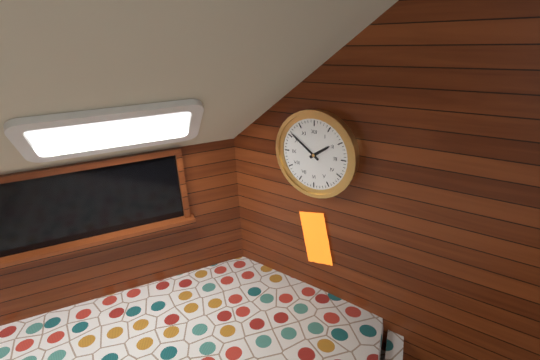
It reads 1h51
